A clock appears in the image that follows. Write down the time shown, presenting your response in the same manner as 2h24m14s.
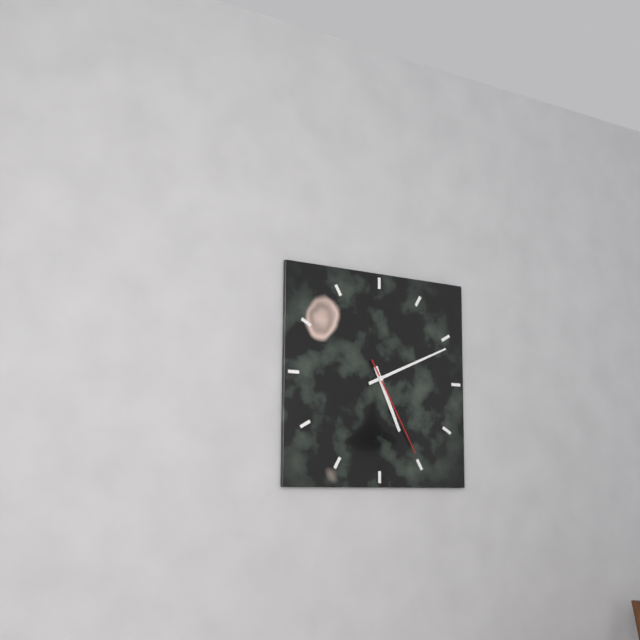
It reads 5h11m25s
